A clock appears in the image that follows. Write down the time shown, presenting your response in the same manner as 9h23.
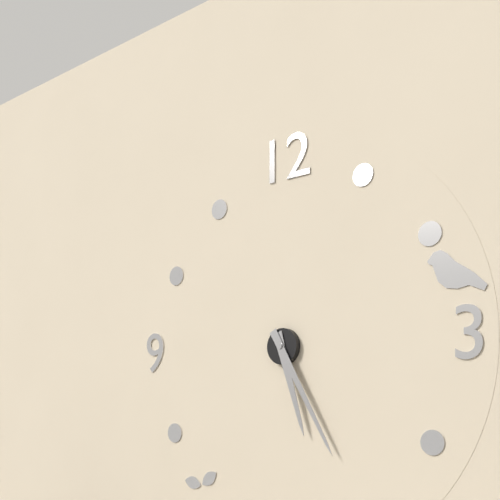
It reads 5h25
